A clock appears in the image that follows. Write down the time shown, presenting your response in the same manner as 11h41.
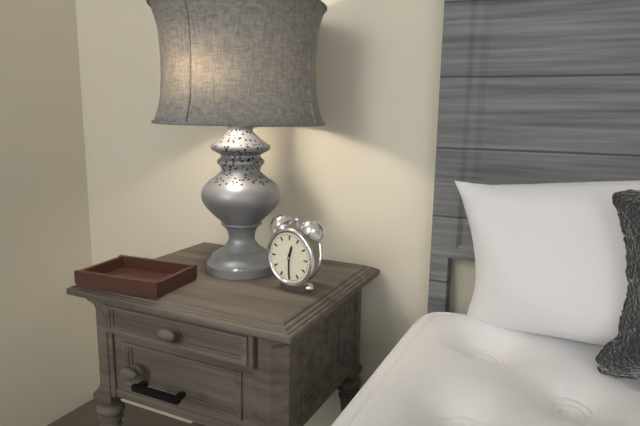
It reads 12h30
